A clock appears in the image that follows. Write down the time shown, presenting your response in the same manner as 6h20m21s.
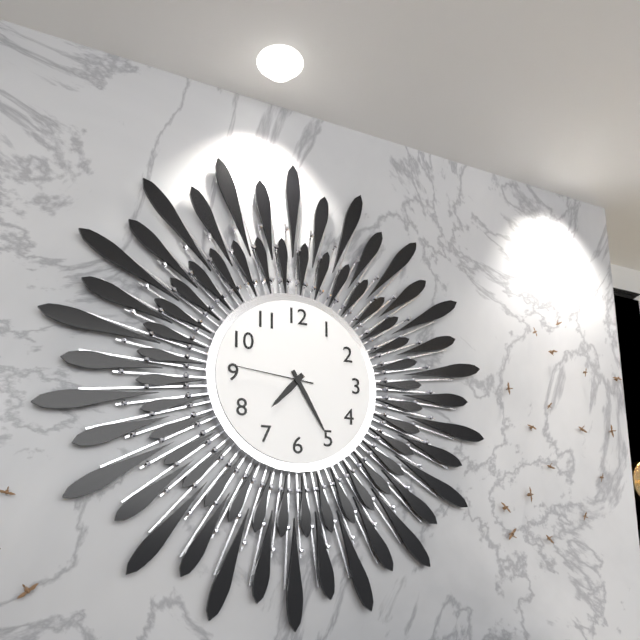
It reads 7h25m46s
